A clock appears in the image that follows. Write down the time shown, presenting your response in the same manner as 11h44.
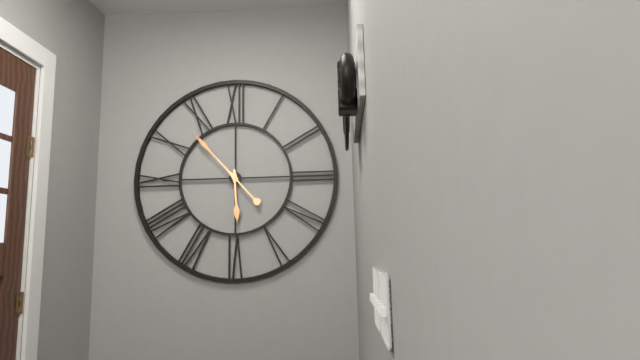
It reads 5h53
